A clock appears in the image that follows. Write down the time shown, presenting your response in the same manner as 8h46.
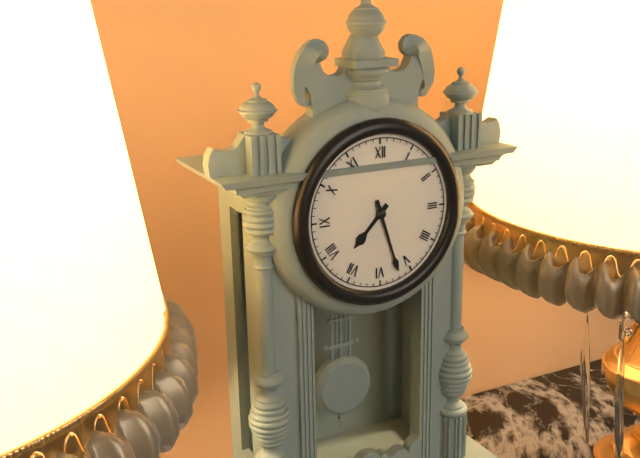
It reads 7h27
